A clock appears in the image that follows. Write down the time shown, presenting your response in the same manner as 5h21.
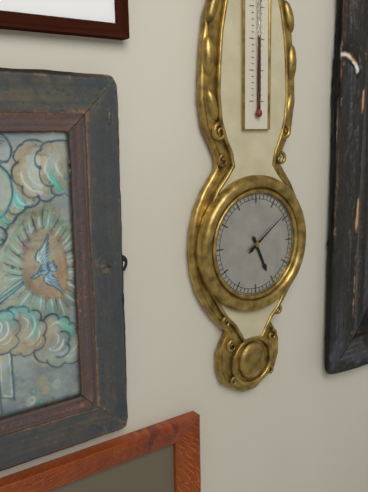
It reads 5h09
